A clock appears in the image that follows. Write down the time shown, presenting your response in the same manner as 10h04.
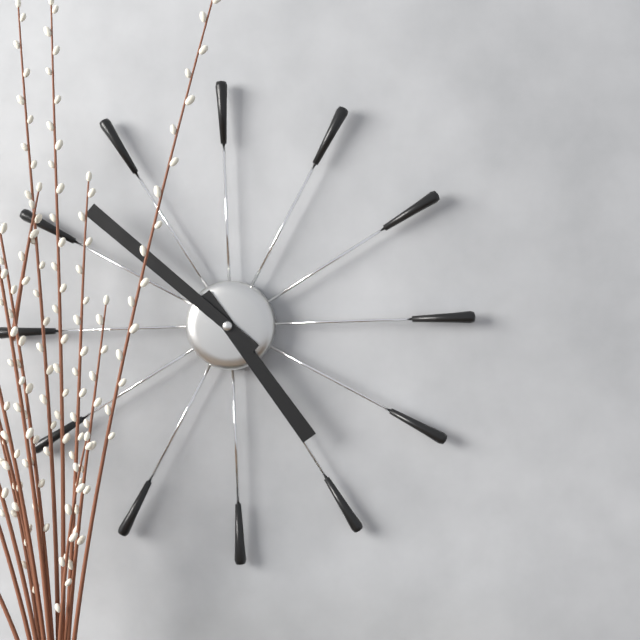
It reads 4h52
